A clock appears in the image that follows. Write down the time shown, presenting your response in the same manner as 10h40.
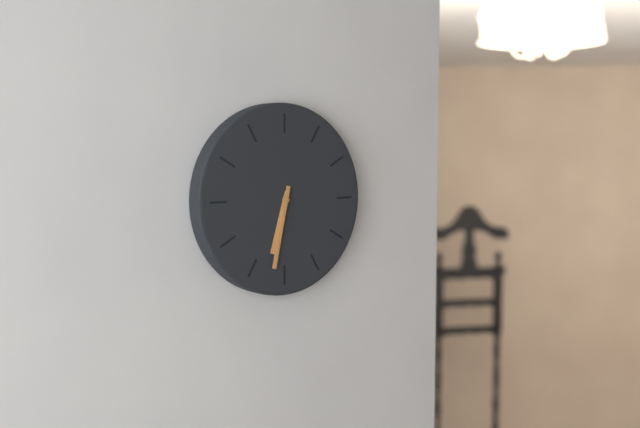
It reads 6h32
